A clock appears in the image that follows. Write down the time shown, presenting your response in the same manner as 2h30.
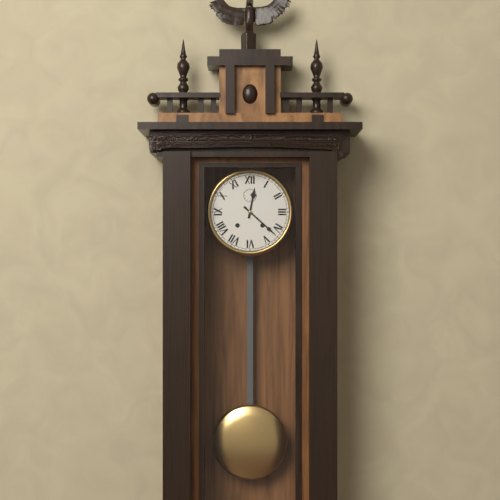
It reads 12h22
